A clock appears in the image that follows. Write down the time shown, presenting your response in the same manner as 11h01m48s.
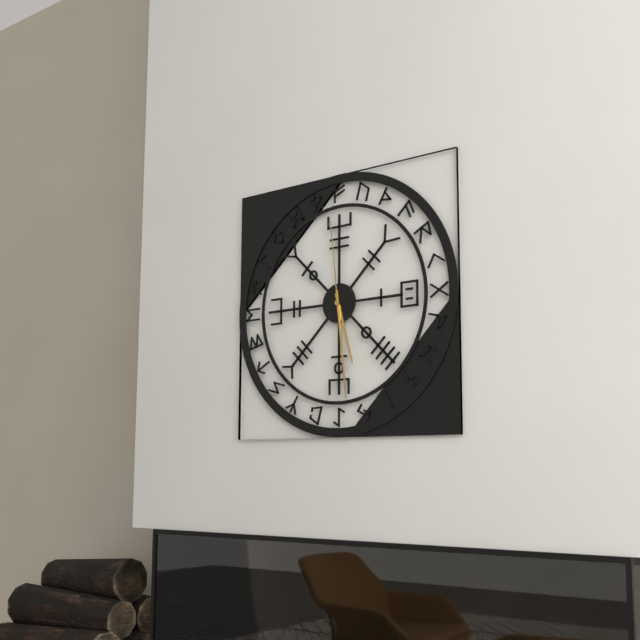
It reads 5h29m59s
